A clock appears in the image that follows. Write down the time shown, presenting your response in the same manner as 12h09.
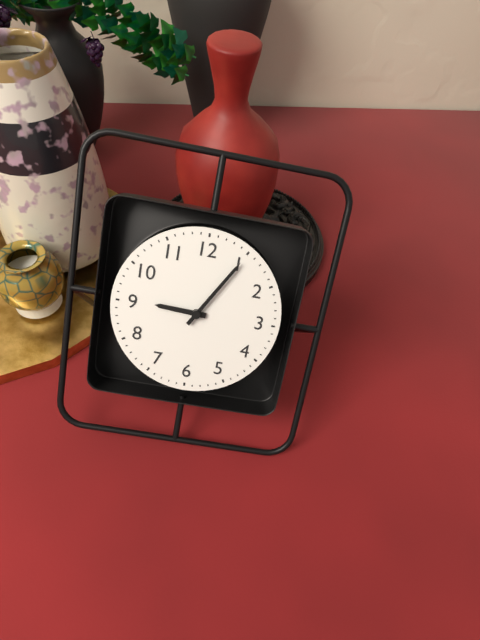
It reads 9h05
